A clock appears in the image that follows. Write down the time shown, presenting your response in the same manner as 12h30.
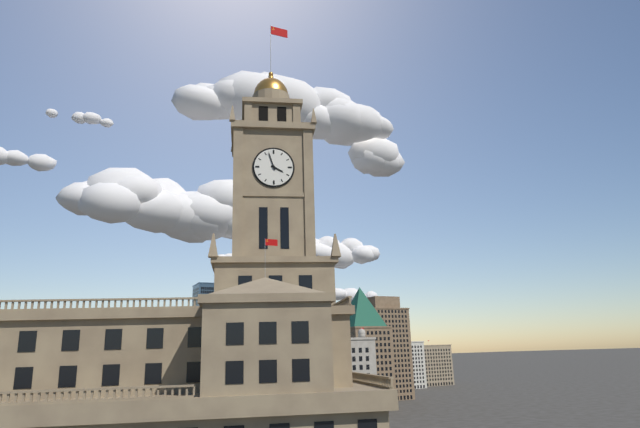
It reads 3h57
